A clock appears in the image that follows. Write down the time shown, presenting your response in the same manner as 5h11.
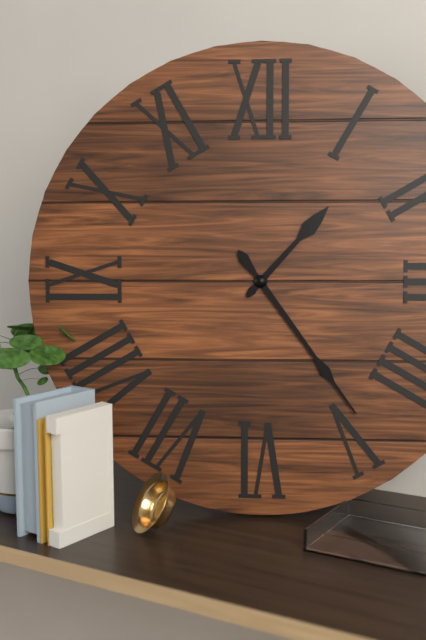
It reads 1h24
